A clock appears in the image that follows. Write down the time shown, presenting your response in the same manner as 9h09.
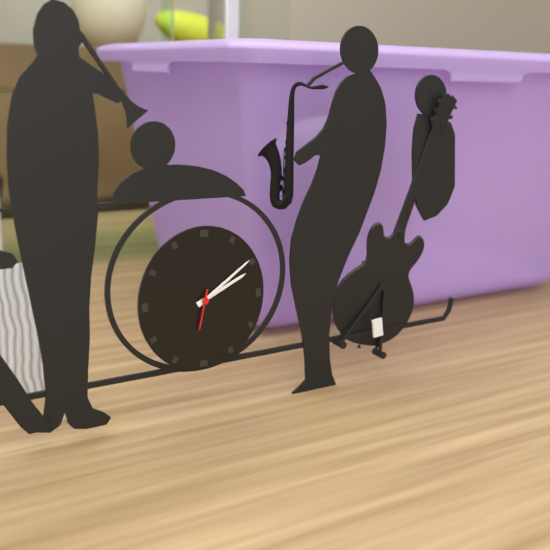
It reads 2h09
